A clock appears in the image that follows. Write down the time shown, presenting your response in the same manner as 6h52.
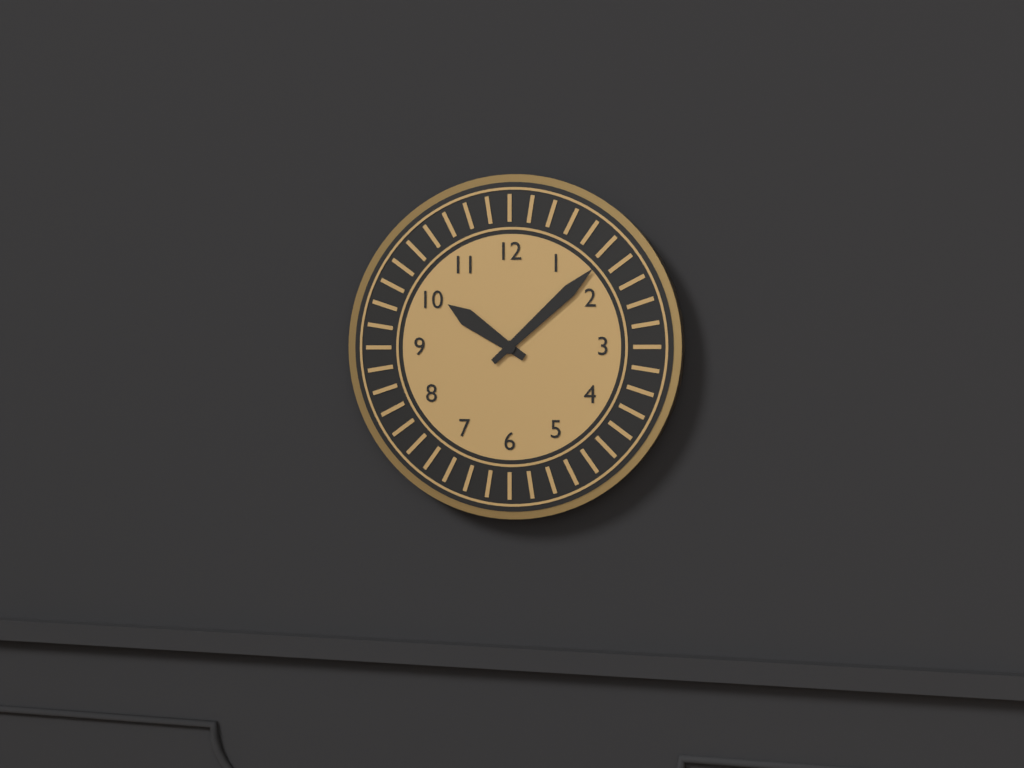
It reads 10h08
